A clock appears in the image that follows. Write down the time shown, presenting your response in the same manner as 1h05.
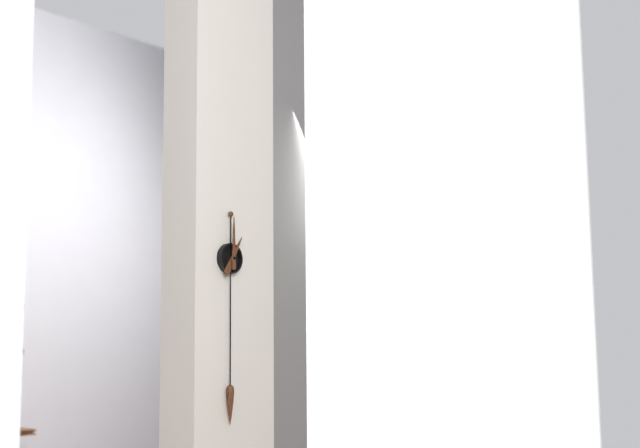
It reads 1h00
